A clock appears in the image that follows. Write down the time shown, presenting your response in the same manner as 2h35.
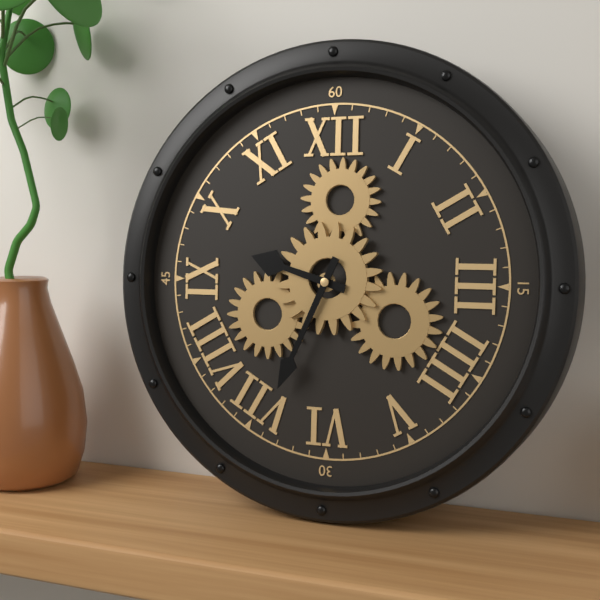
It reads 9h34
